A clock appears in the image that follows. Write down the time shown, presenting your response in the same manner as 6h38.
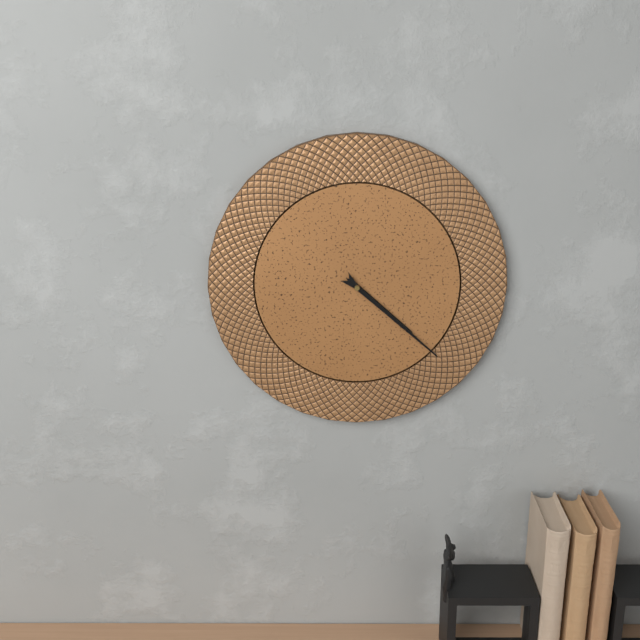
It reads 4h22
